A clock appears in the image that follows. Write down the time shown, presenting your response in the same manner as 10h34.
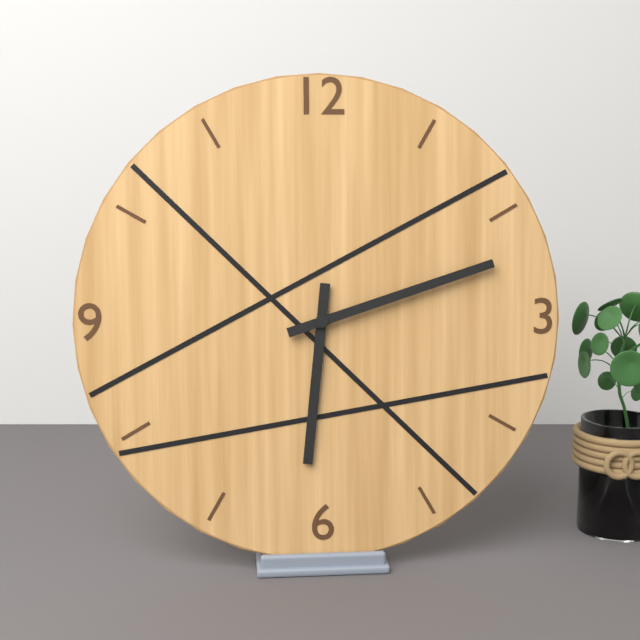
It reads 6h12
